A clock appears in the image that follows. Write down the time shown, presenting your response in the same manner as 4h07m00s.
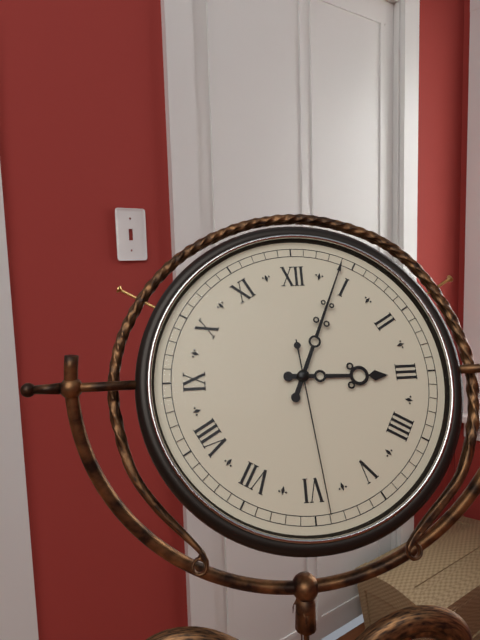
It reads 3h04m29s
